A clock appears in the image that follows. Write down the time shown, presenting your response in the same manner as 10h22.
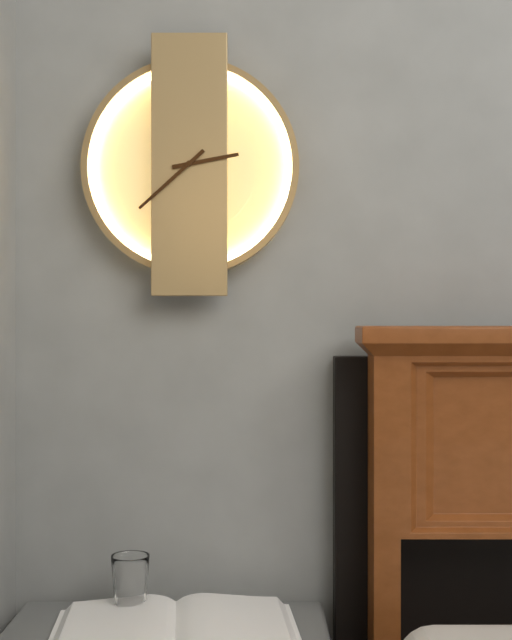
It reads 2h38
